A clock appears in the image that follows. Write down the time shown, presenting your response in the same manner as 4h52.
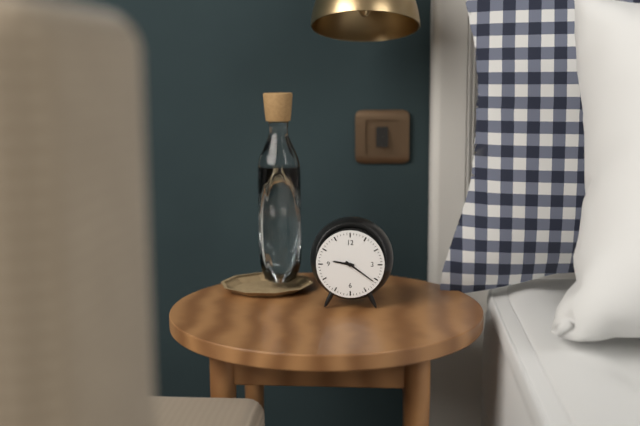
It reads 9h21
